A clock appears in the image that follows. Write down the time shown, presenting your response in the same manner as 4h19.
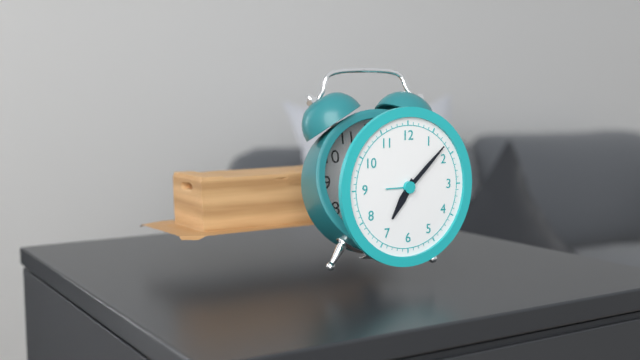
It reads 7h08
